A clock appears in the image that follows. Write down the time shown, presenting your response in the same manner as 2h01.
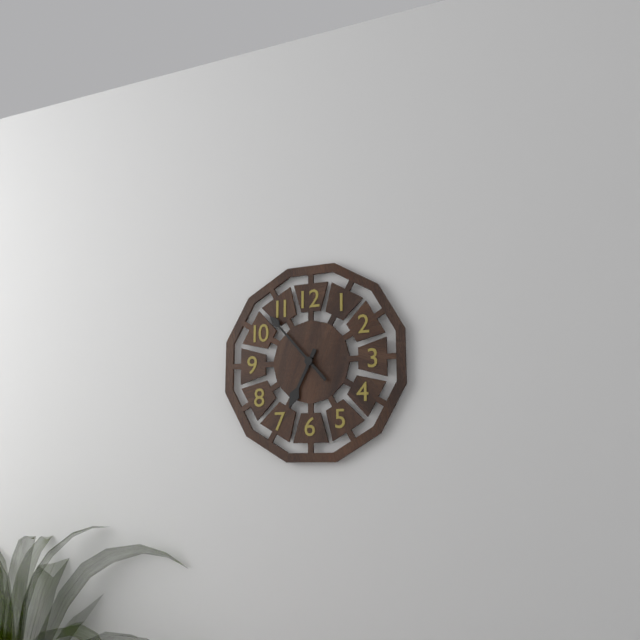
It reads 6h53
